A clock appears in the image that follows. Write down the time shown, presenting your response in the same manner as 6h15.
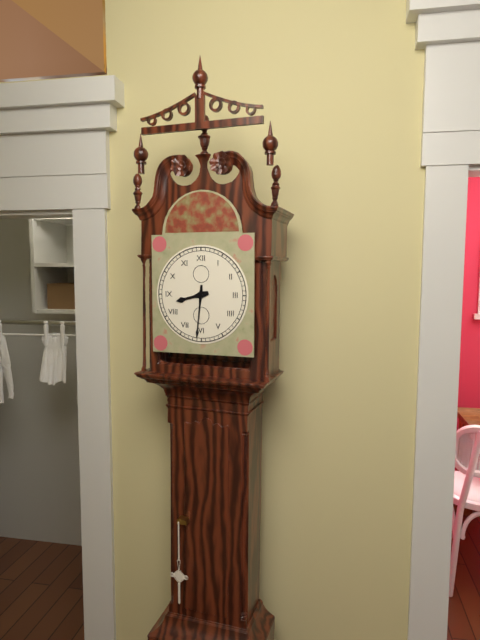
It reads 8h31
